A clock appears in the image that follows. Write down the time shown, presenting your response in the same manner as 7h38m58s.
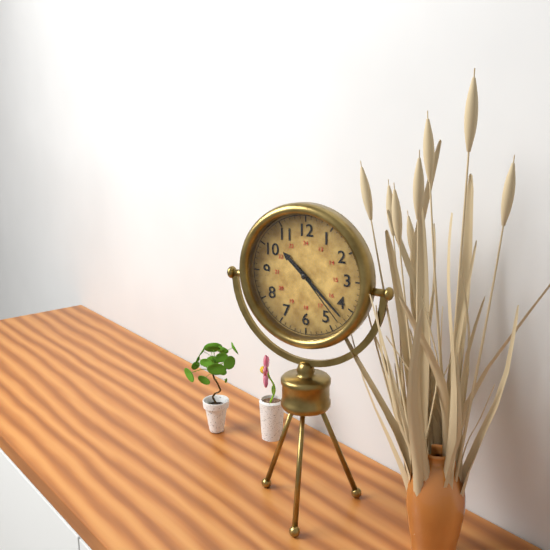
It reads 10h22m23s
